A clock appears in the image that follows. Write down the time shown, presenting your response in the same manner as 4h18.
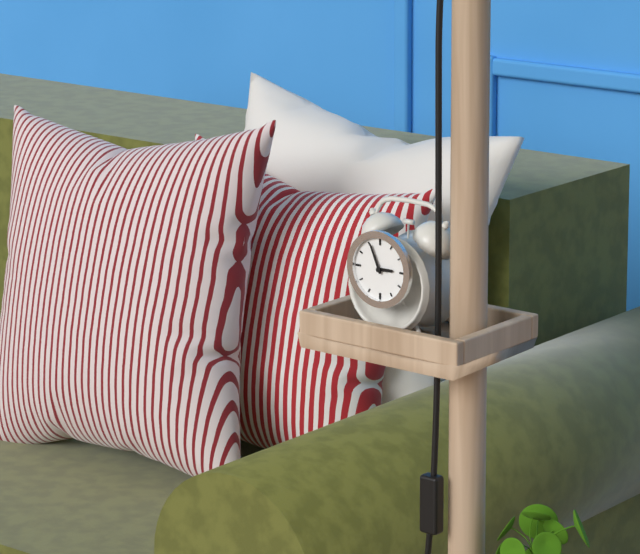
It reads 2h56
